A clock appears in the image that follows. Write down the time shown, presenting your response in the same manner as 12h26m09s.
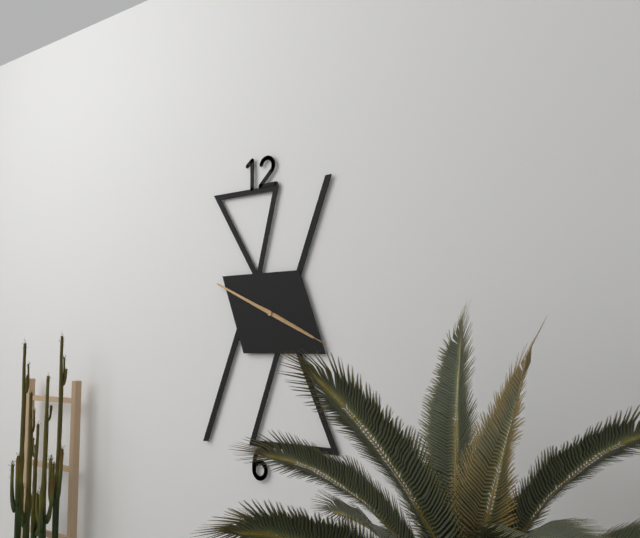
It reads 3h49m19s
